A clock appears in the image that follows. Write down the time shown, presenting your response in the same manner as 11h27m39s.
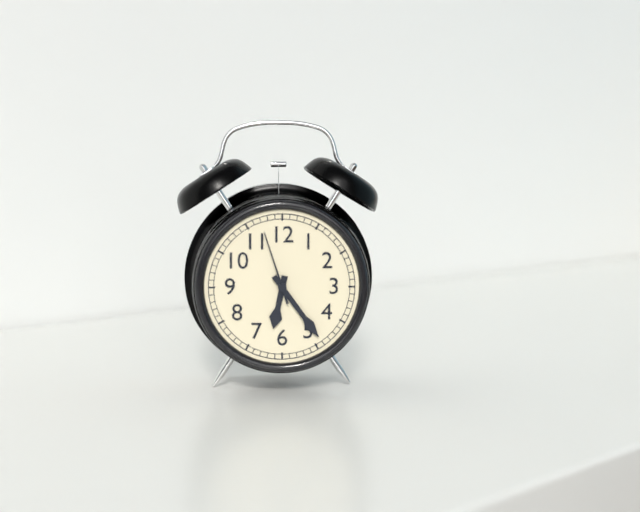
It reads 6h24m57s
